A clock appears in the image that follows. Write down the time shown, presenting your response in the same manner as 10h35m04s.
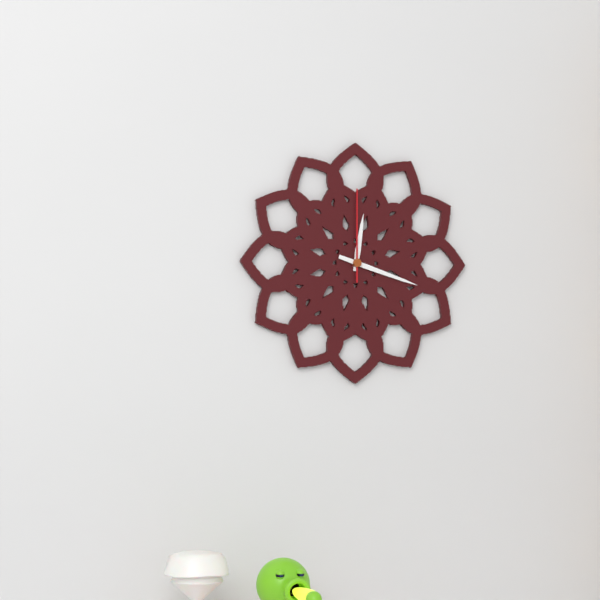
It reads 12h18m00s
